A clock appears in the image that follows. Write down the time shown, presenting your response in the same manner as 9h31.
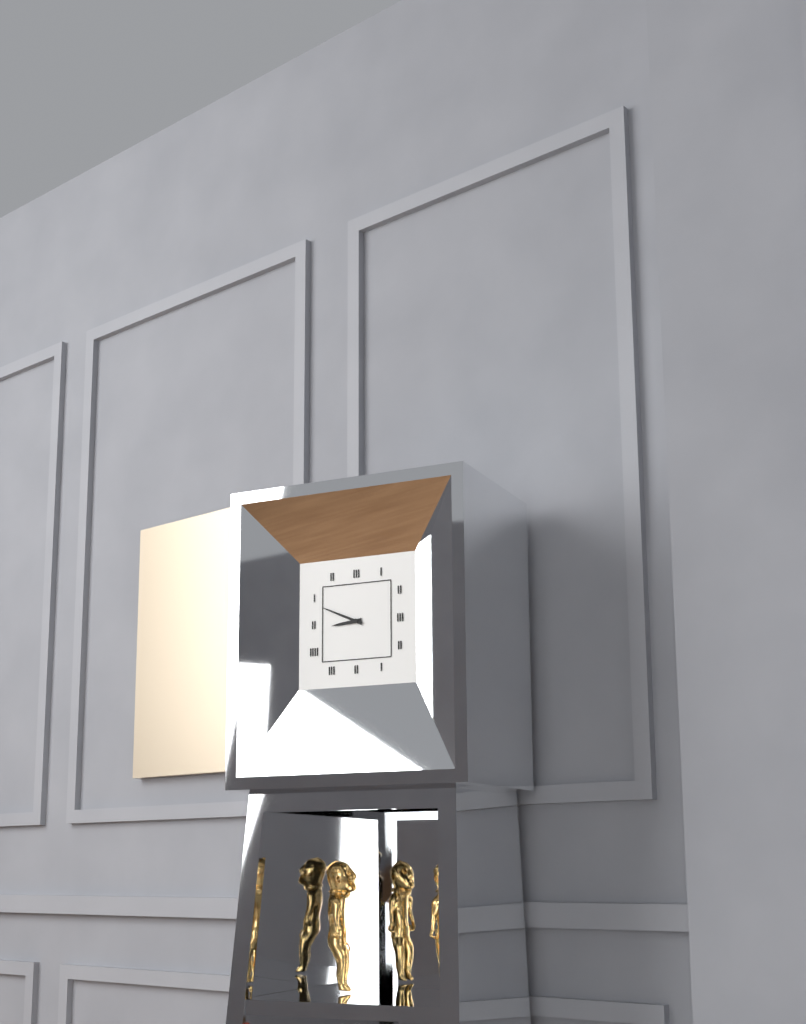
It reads 8h49
